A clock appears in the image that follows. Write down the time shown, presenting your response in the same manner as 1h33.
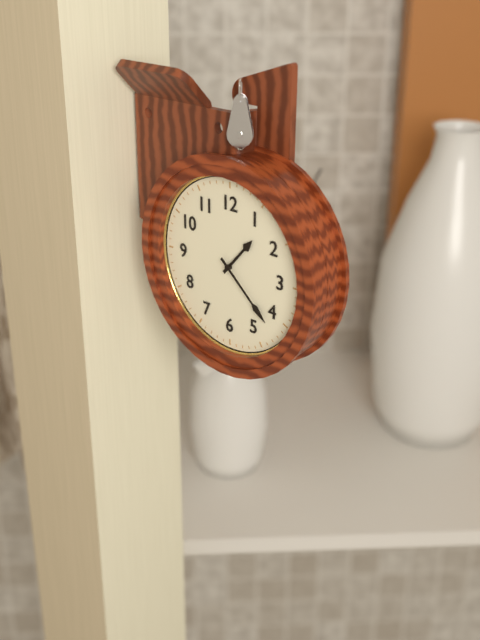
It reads 1h22
